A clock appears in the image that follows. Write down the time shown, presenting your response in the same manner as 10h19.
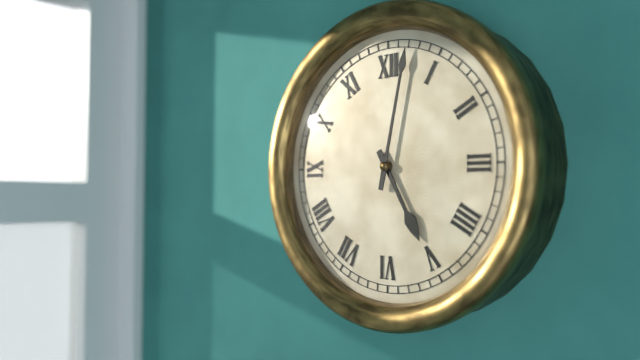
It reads 5h02
